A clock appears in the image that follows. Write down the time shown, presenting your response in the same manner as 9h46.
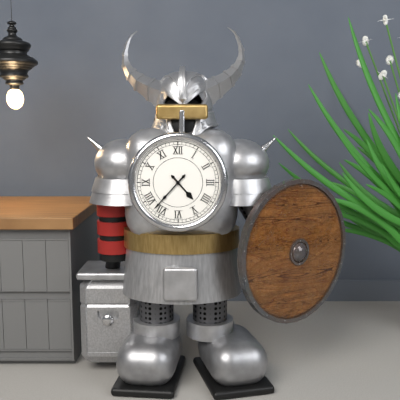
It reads 4h37
